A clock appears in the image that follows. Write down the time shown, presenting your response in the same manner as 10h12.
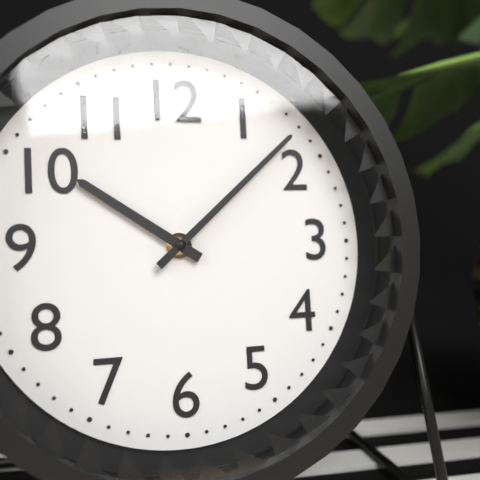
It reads 10h08
